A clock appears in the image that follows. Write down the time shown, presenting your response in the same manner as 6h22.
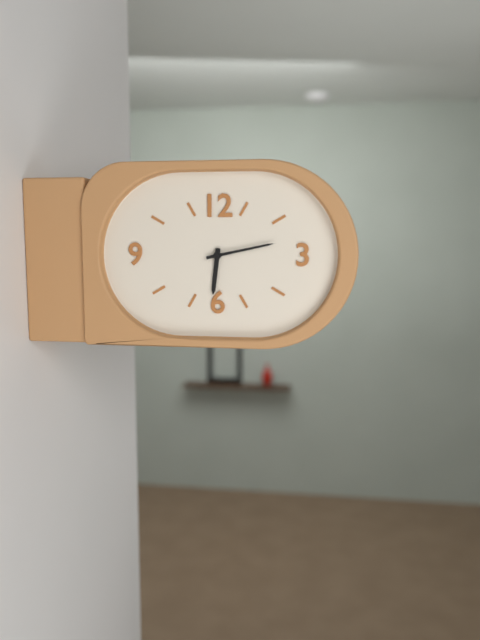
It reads 6h13
